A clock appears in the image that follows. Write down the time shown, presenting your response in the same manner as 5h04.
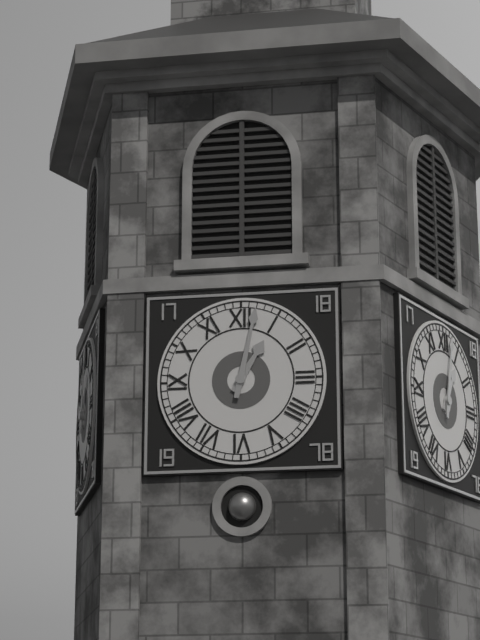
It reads 1h02
